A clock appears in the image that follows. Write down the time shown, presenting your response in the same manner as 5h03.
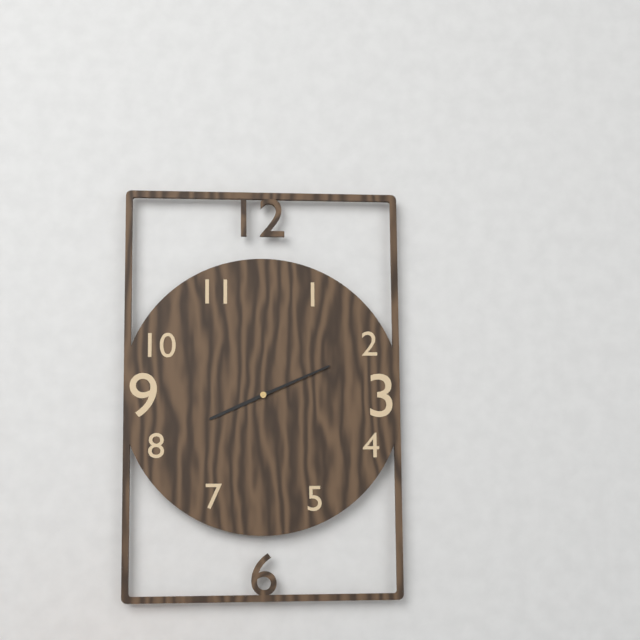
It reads 8h11
